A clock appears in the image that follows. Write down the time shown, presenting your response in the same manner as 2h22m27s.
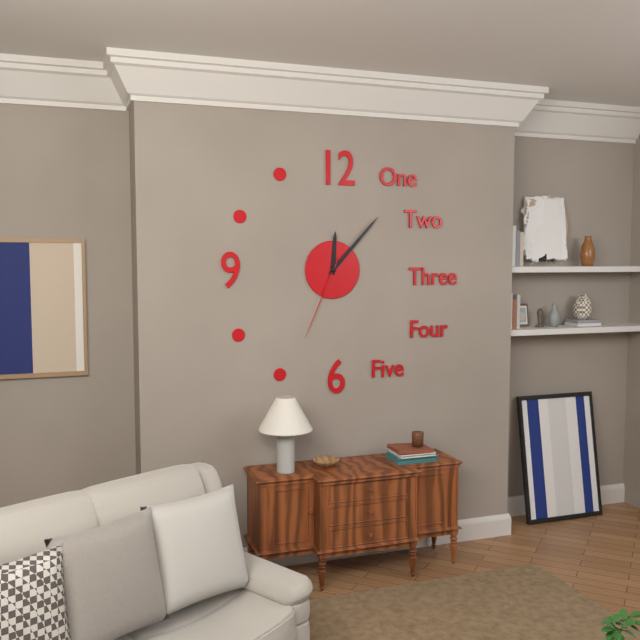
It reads 12h07m34s
